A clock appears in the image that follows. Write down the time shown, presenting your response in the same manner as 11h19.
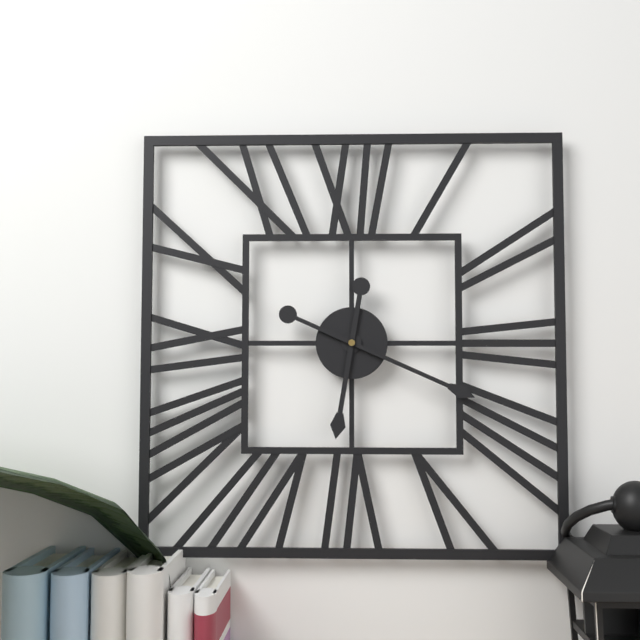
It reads 6h19
